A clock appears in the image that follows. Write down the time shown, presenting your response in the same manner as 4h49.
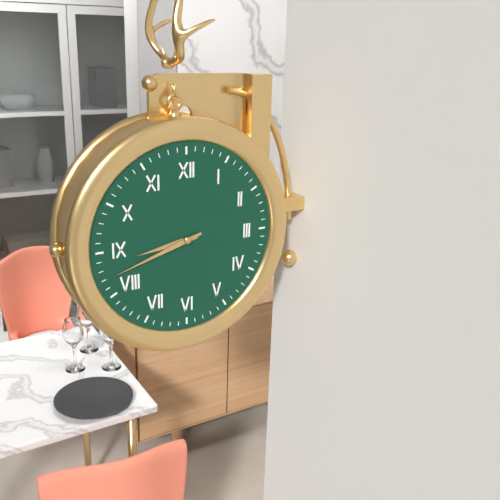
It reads 8h42
